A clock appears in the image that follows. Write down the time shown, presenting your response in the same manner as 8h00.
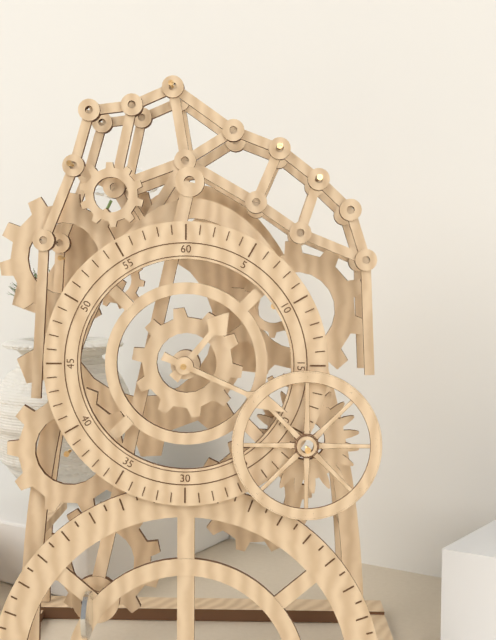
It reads 1h19
